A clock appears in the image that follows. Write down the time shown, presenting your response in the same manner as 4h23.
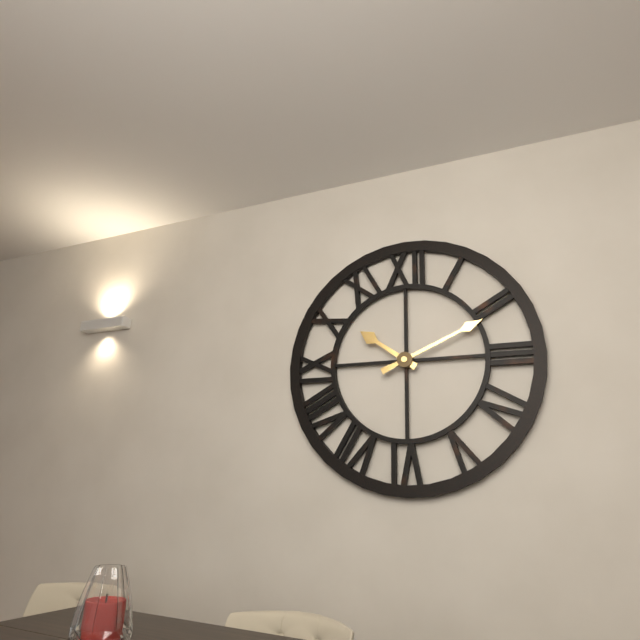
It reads 10h11
